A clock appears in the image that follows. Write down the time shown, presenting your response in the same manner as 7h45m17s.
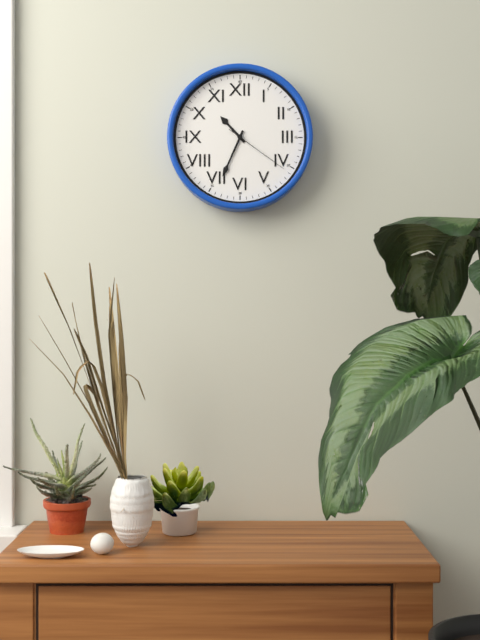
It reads 10h34m21s
